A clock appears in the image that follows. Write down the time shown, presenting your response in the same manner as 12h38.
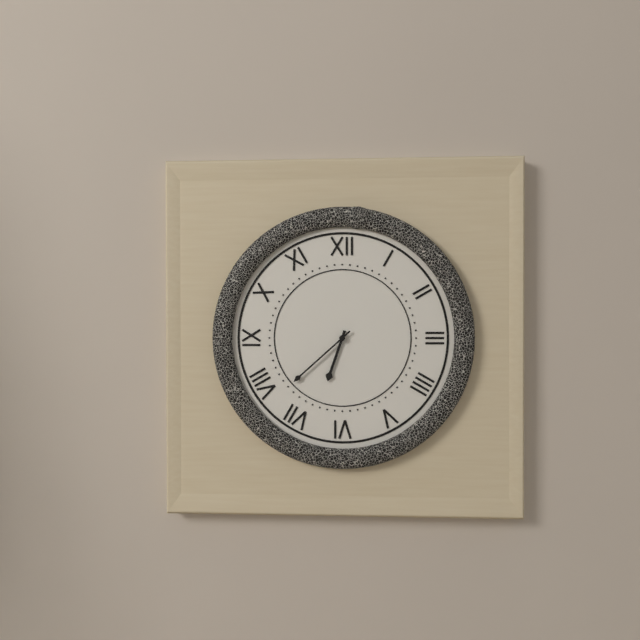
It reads 6h38
